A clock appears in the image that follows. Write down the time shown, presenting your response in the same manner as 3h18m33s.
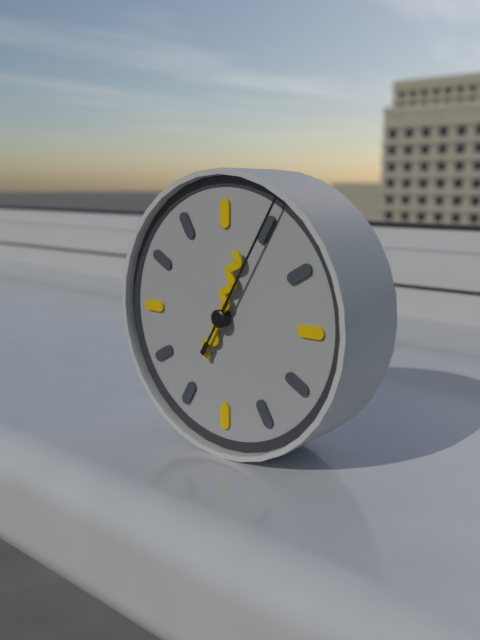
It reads 7h03m05s
